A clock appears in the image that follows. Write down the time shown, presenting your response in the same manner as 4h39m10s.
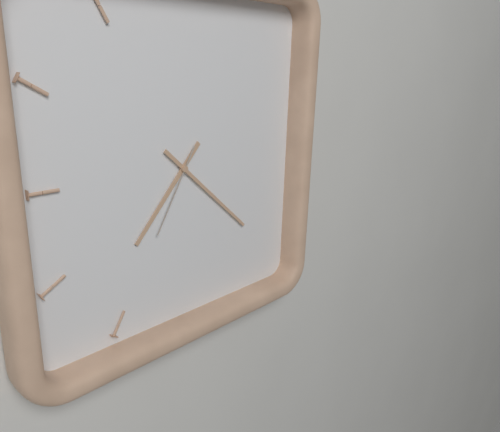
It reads 7h22m35s
